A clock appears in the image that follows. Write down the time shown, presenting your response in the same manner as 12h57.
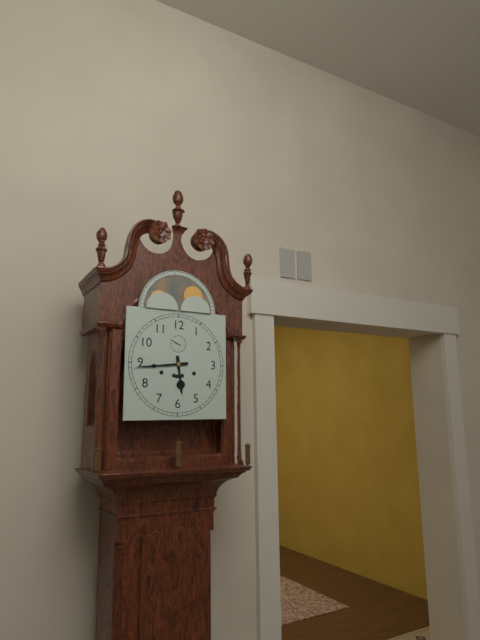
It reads 5h44
